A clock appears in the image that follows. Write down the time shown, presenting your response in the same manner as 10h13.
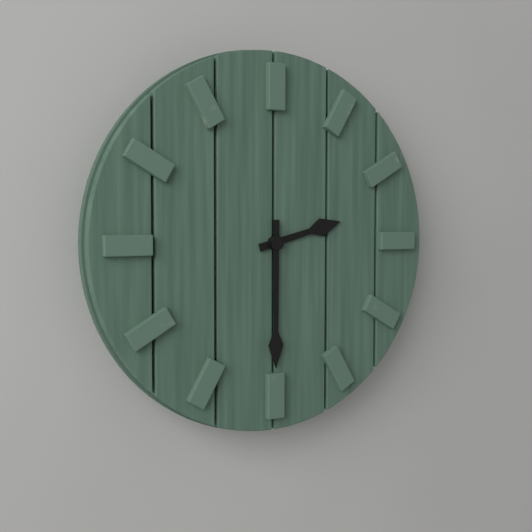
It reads 2h30
